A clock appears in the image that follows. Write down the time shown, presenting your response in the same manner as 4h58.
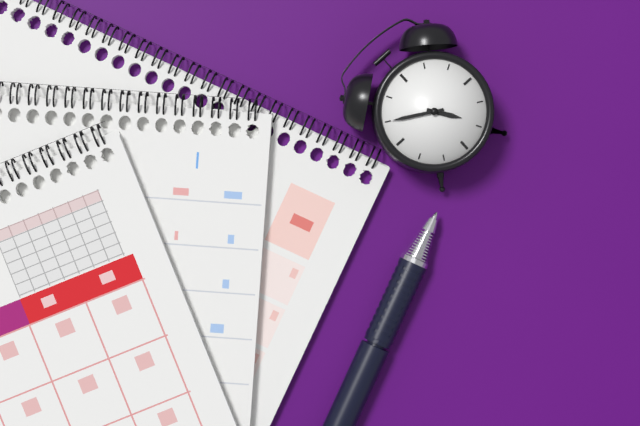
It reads 4h50
